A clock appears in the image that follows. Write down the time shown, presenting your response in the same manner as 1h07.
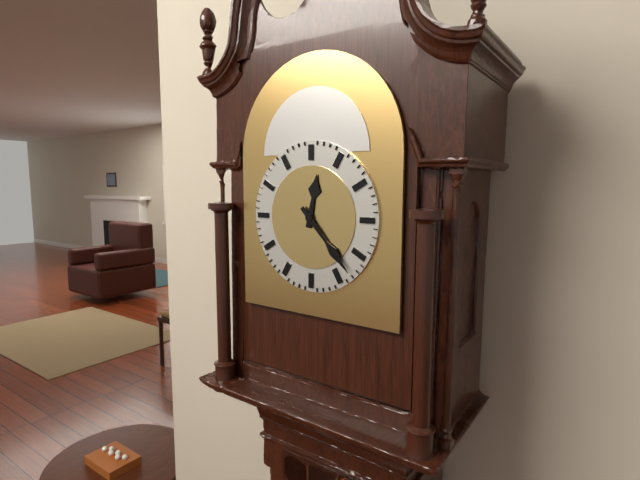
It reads 12h23
